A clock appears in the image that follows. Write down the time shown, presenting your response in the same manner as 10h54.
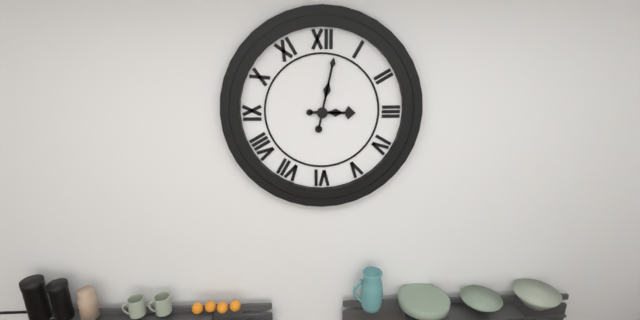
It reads 3h02
